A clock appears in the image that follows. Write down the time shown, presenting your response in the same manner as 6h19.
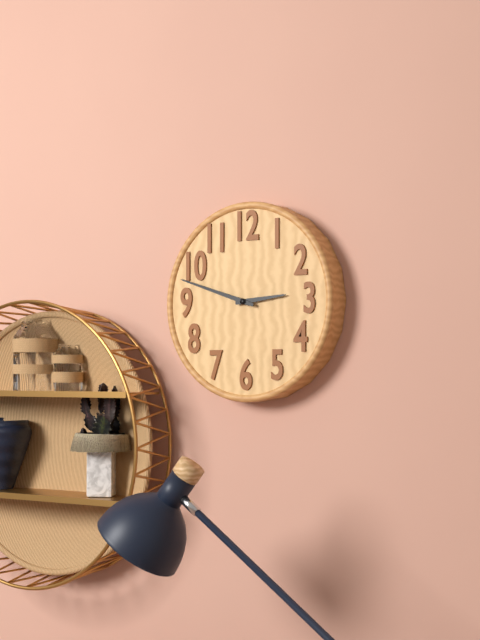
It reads 2h48
